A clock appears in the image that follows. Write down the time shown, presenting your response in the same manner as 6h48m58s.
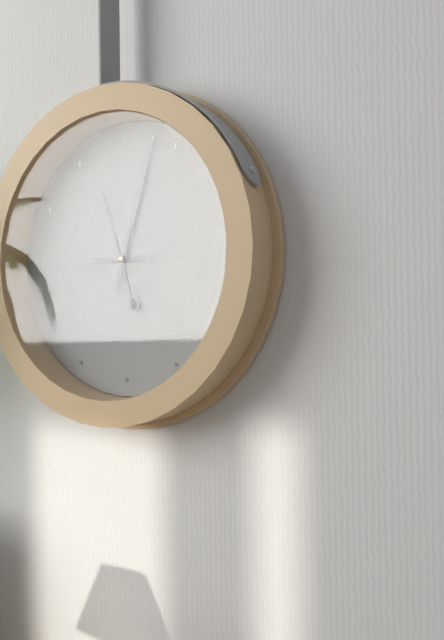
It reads 9h03m57s
